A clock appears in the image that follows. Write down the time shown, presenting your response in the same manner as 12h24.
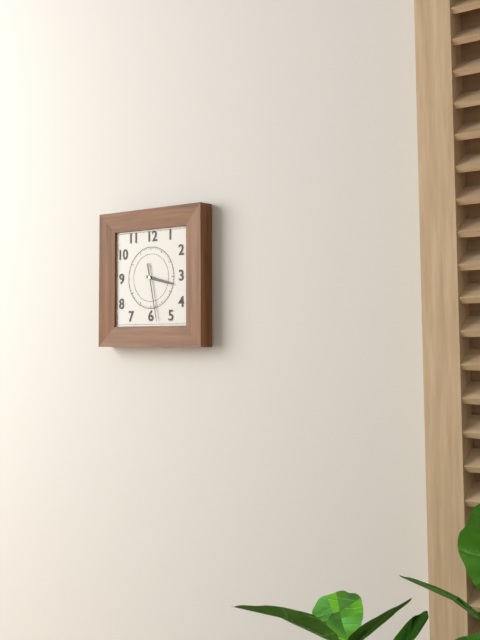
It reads 3h28
